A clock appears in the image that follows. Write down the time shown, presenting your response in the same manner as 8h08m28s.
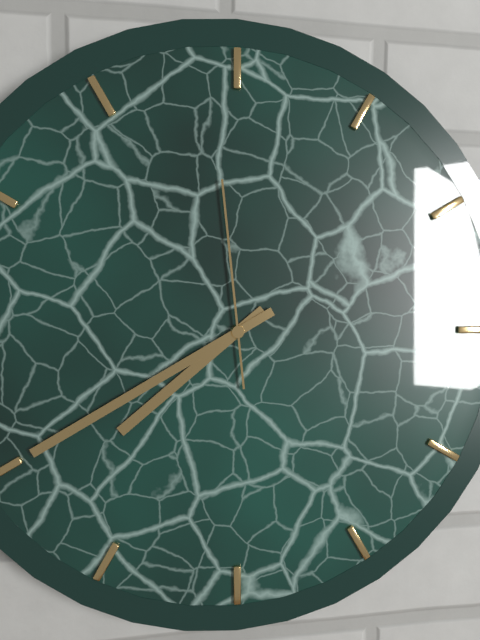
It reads 7h40m59s
